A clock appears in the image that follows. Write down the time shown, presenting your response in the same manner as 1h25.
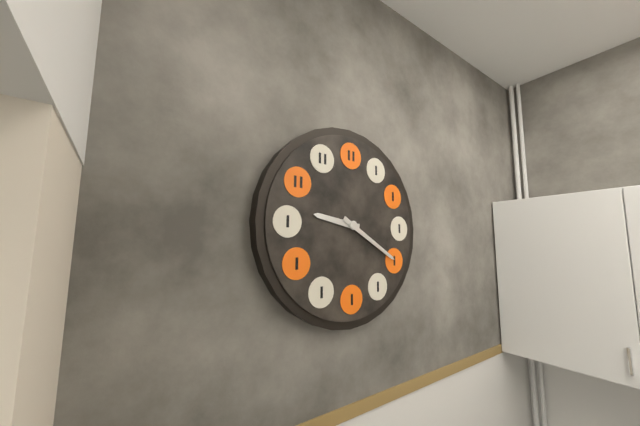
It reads 9h20
